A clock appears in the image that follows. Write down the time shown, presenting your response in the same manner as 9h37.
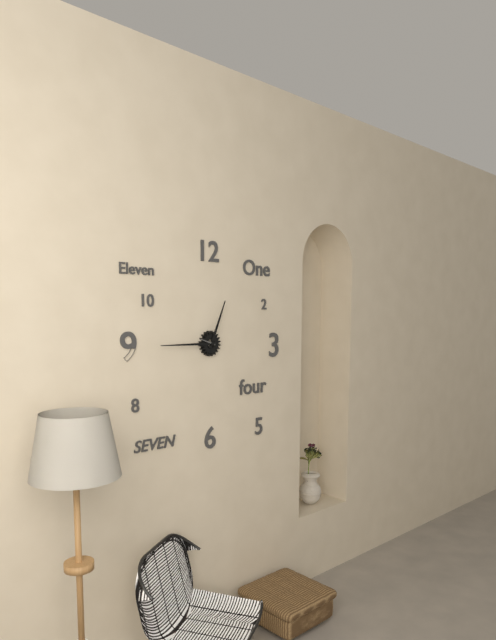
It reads 12h45
